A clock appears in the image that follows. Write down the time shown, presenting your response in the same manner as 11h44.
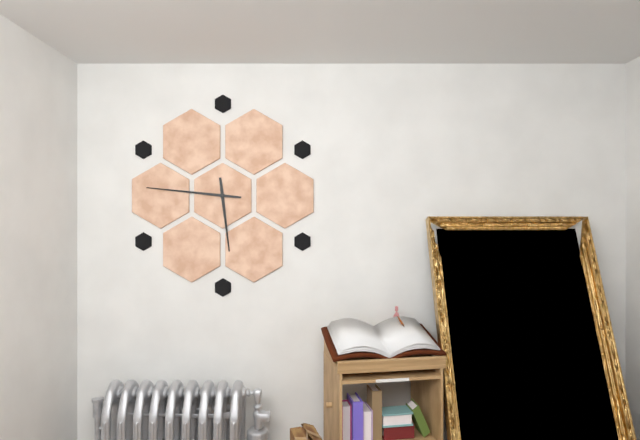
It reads 5h46
